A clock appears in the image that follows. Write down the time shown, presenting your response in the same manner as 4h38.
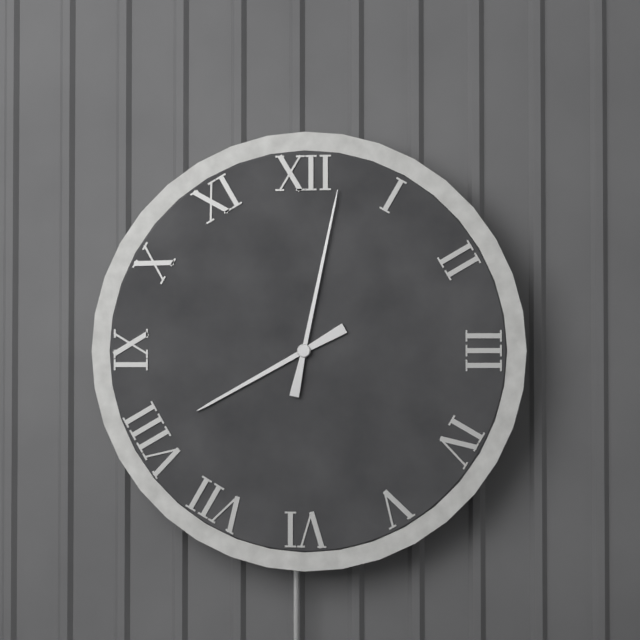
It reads 8h02
